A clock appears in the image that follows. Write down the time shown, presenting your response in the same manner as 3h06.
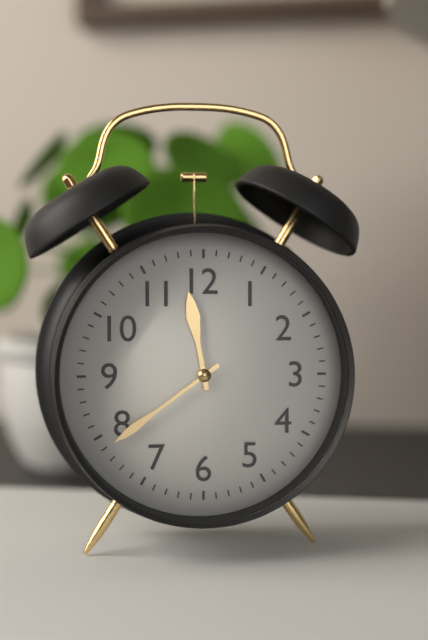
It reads 11h39
